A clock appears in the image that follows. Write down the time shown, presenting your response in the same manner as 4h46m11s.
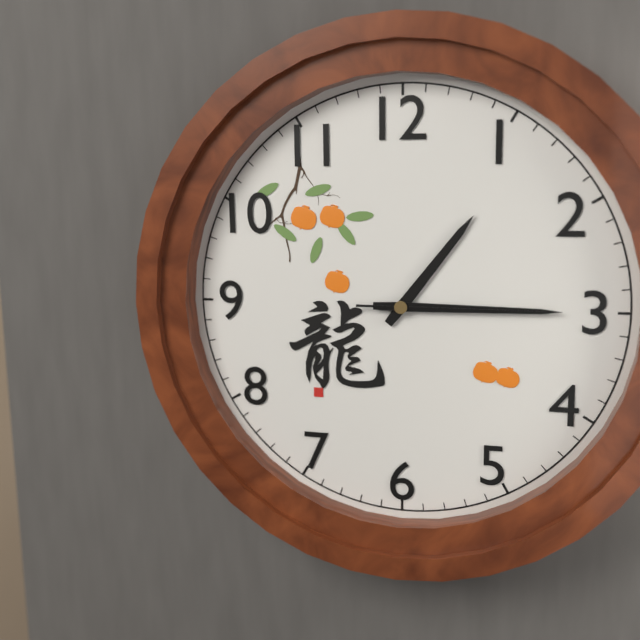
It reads 1h15m15s
